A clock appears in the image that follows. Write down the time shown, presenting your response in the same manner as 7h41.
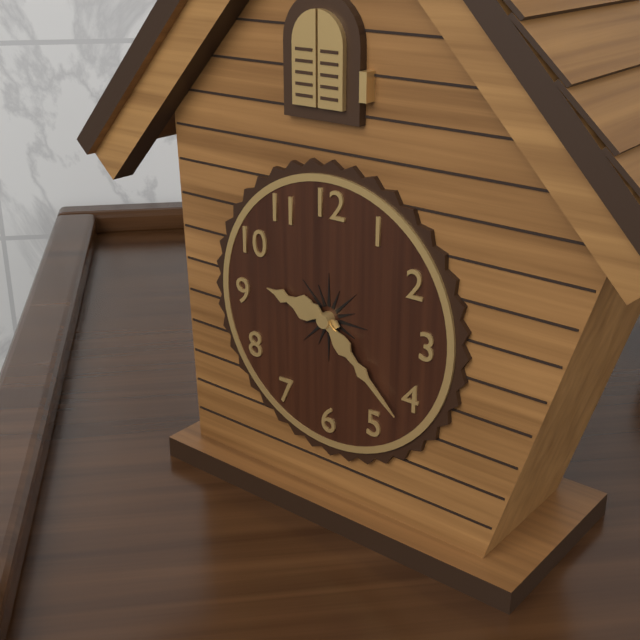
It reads 9h22
